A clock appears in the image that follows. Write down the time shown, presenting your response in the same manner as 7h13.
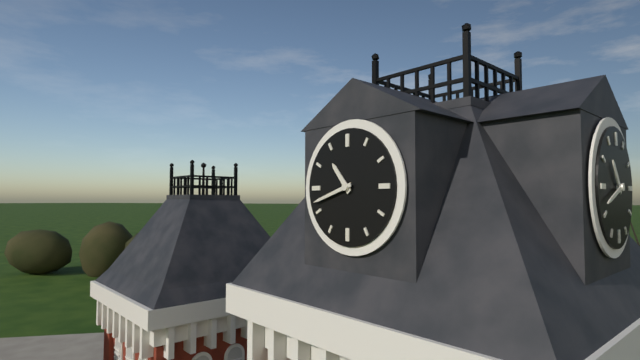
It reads 10h42
